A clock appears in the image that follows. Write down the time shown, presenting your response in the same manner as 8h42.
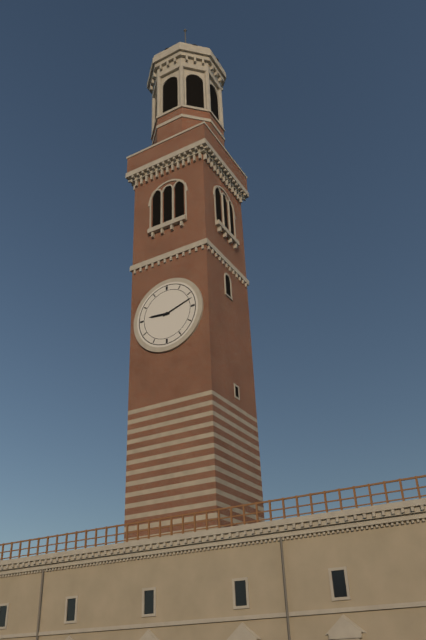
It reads 9h12
